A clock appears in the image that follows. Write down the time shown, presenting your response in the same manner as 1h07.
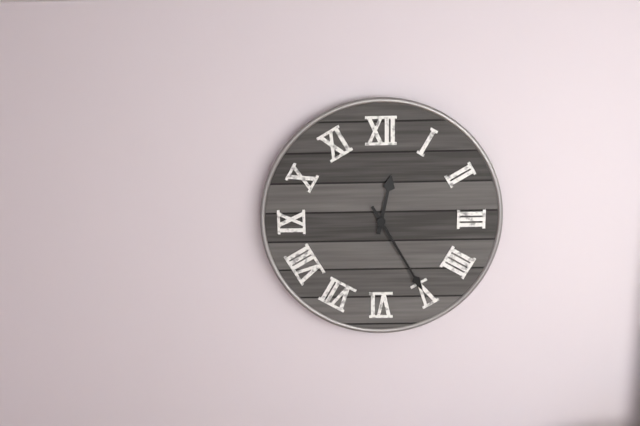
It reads 12h25
